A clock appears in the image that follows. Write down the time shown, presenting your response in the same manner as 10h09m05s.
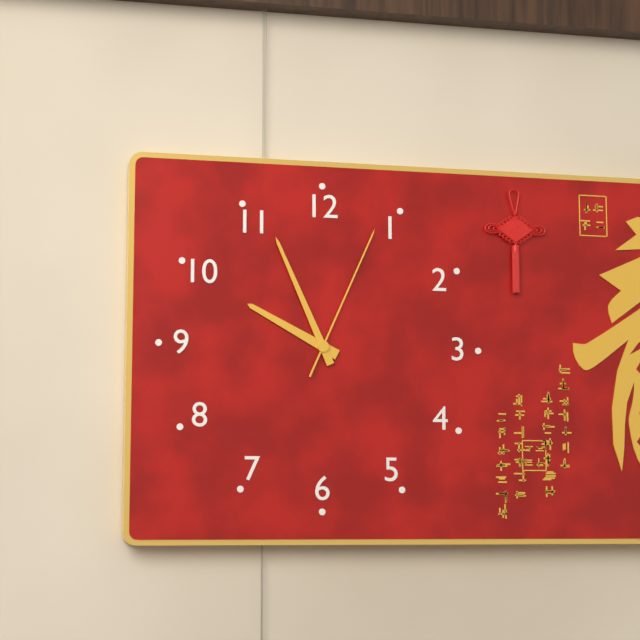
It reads 9h56m04s
